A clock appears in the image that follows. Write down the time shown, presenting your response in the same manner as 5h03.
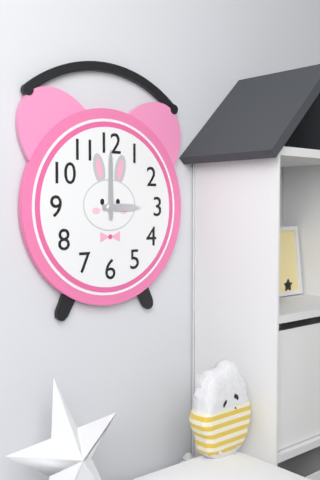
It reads 3h00
